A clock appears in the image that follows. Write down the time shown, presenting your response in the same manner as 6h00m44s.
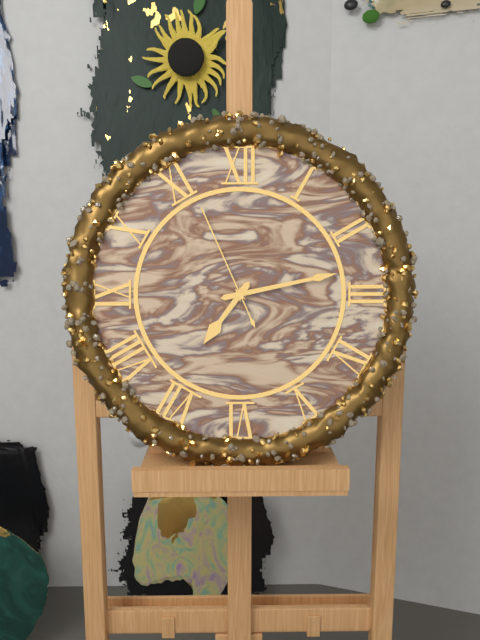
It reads 7h13m56s
